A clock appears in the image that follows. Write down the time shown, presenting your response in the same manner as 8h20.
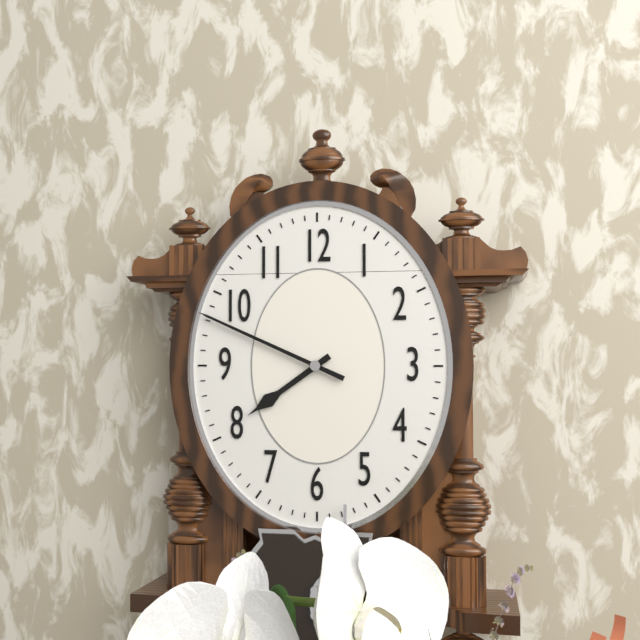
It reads 7h49
